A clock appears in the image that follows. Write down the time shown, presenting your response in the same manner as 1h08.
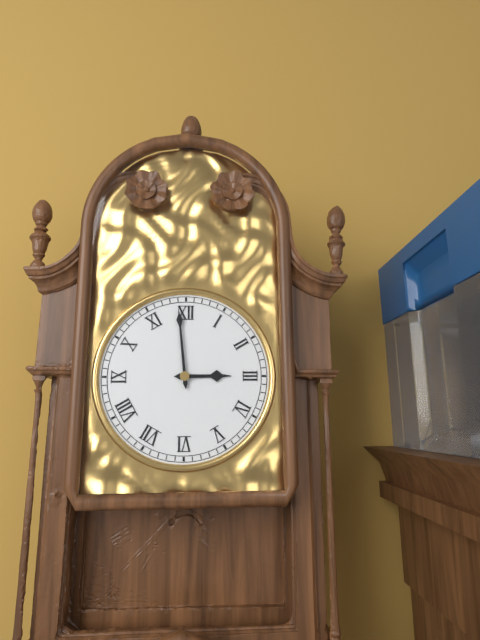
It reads 2h59
